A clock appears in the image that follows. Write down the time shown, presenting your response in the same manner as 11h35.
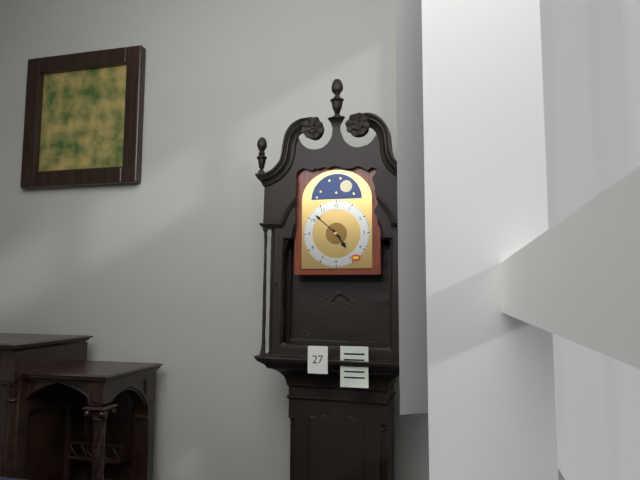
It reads 4h52
